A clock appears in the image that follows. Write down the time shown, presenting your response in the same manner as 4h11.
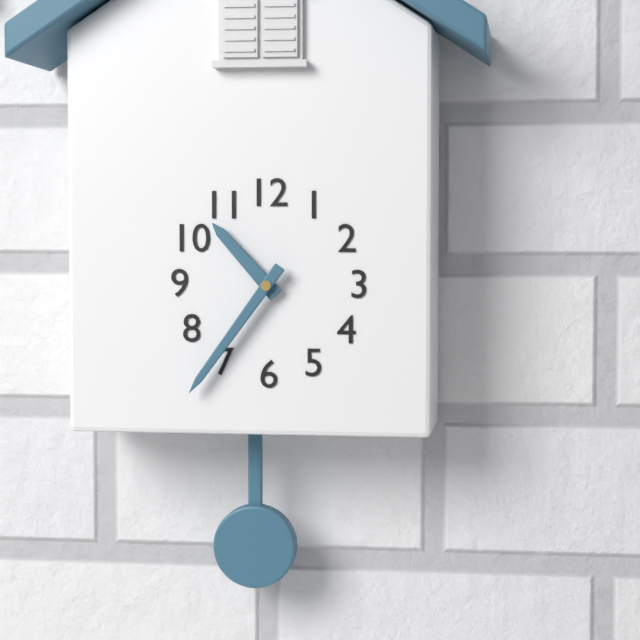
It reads 10h36
